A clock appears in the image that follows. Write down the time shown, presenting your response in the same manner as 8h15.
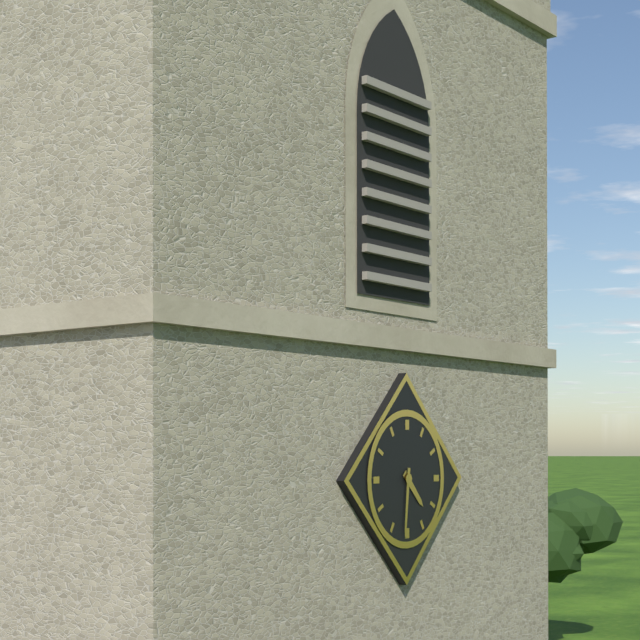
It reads 4h31
